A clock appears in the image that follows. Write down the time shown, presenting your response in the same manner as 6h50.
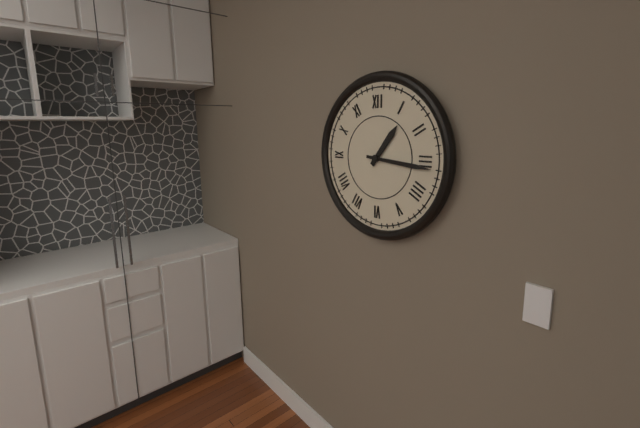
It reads 1h16
